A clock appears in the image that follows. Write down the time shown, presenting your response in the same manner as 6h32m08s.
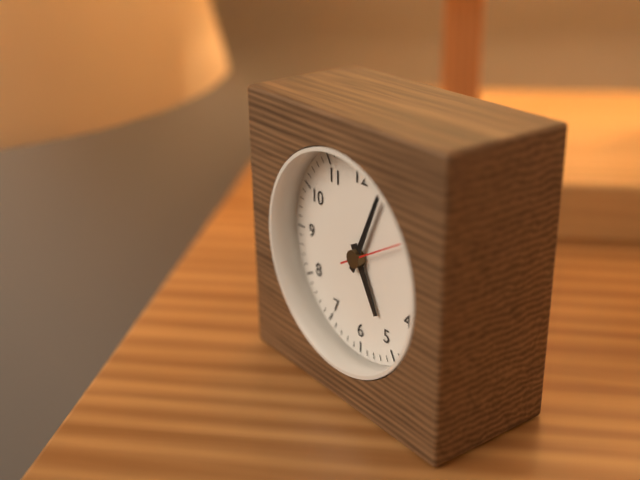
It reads 5h04m10s
